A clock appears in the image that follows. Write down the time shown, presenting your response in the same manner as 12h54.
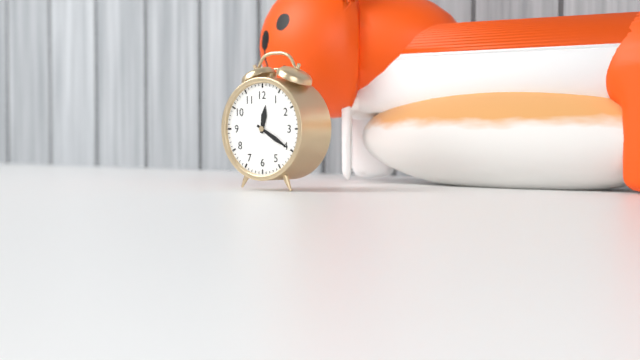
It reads 12h20
